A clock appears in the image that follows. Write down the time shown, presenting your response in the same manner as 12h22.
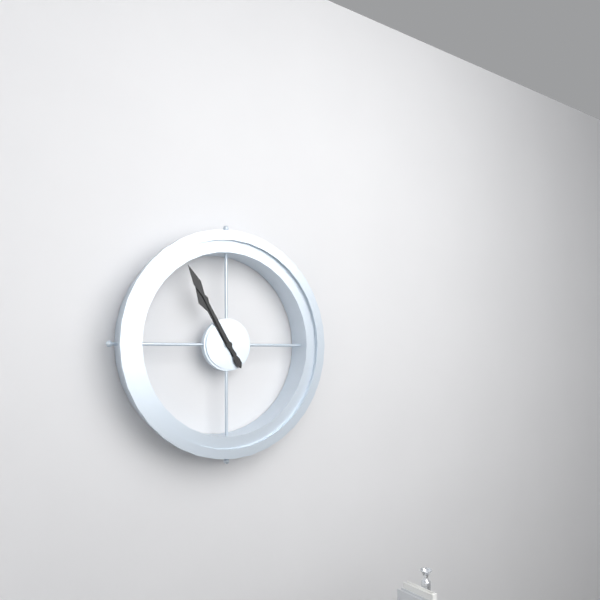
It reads 10h55
